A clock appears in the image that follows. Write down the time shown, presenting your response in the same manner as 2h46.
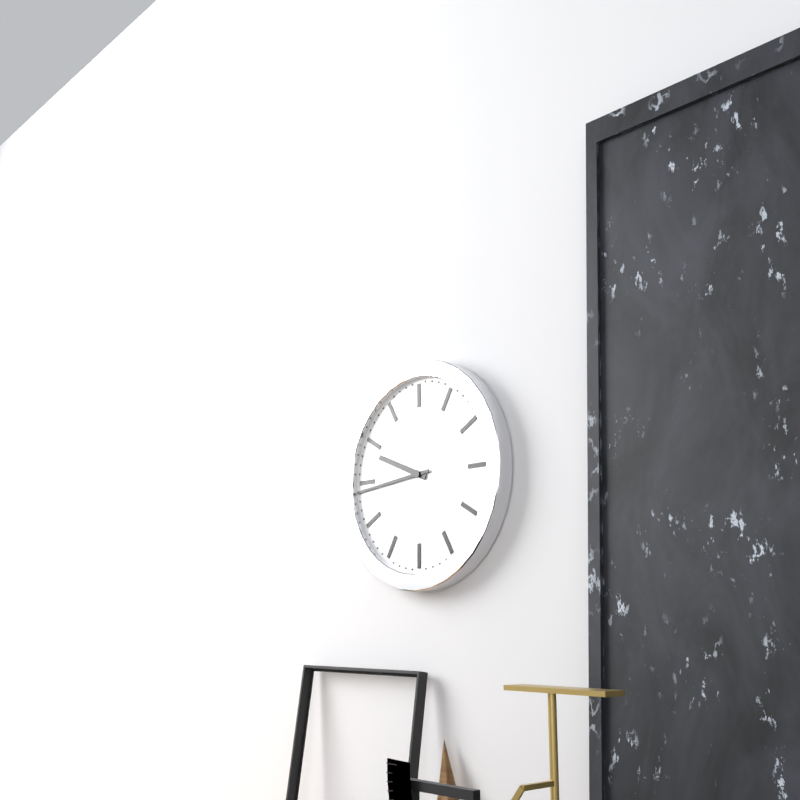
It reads 9h44
